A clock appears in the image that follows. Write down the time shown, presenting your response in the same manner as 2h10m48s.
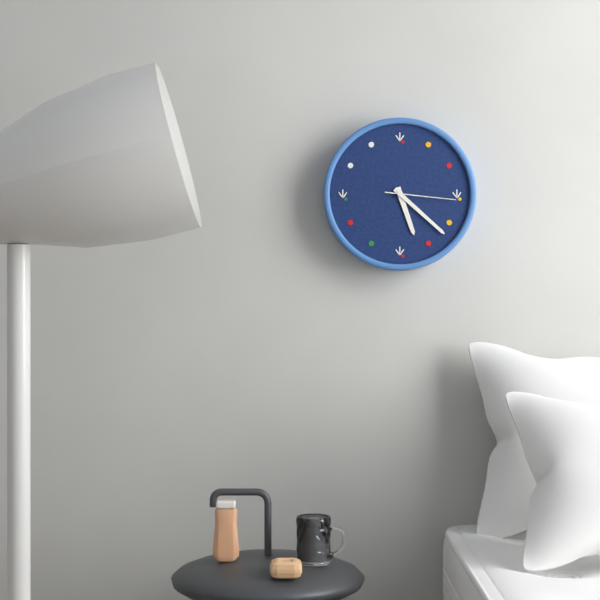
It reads 5h22m16s
